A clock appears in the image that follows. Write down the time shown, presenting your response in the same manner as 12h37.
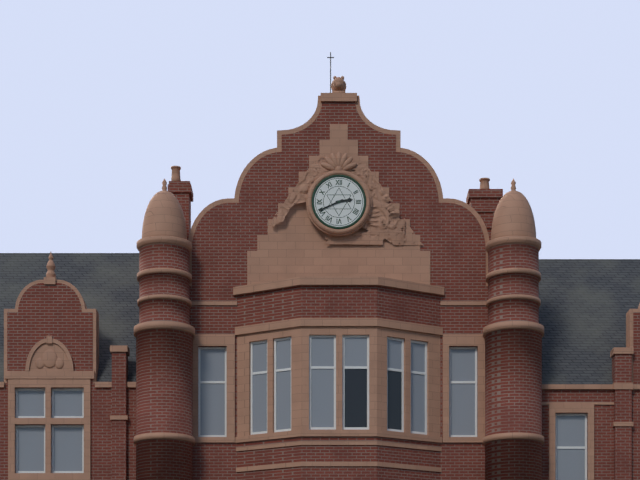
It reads 2h41
